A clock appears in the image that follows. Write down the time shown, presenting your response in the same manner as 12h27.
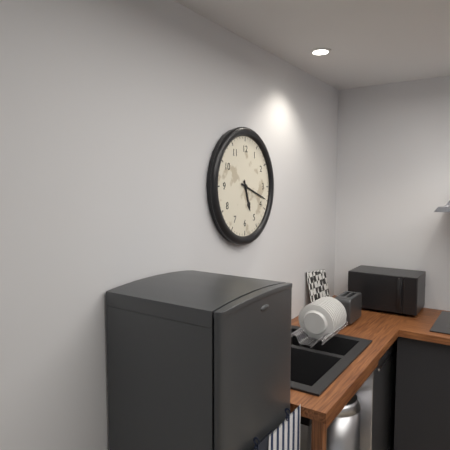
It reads 5h18
